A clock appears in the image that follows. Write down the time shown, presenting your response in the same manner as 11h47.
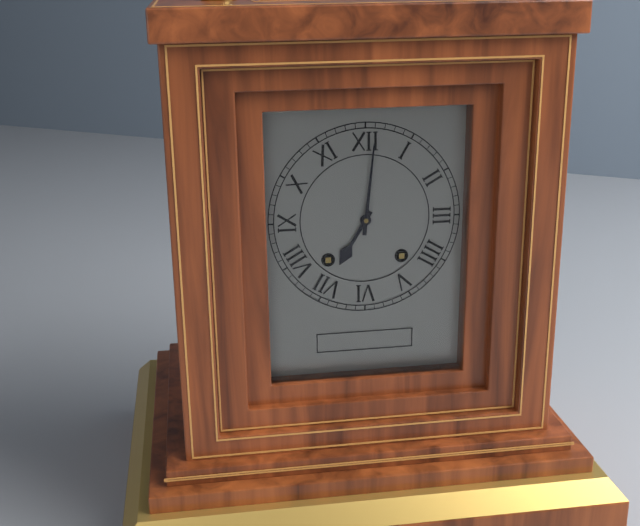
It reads 7h01
